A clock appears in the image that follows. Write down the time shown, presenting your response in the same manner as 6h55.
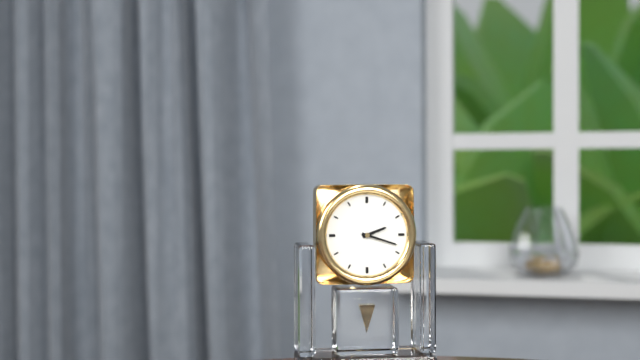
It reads 2h18
